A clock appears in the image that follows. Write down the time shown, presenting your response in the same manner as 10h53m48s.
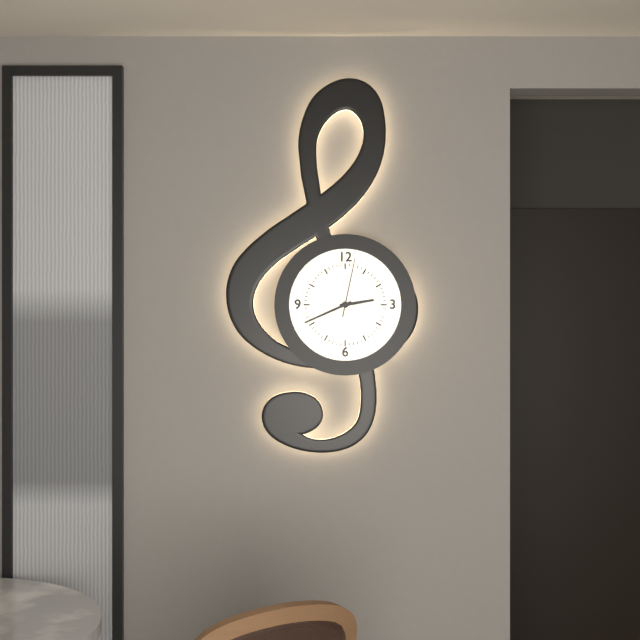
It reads 2h41m02s
